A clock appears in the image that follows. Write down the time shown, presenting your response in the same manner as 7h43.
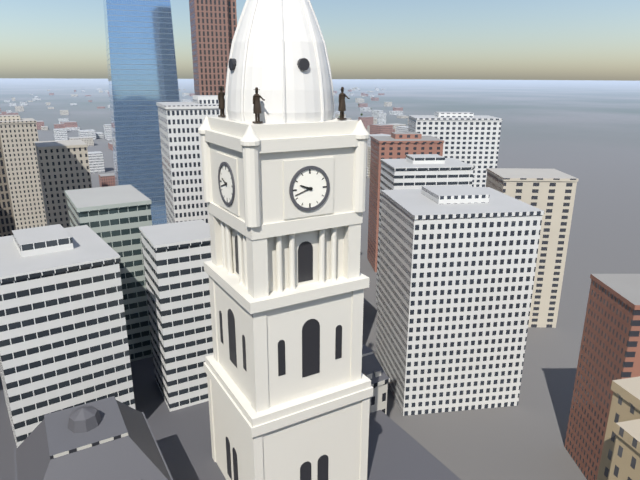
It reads 9h42
